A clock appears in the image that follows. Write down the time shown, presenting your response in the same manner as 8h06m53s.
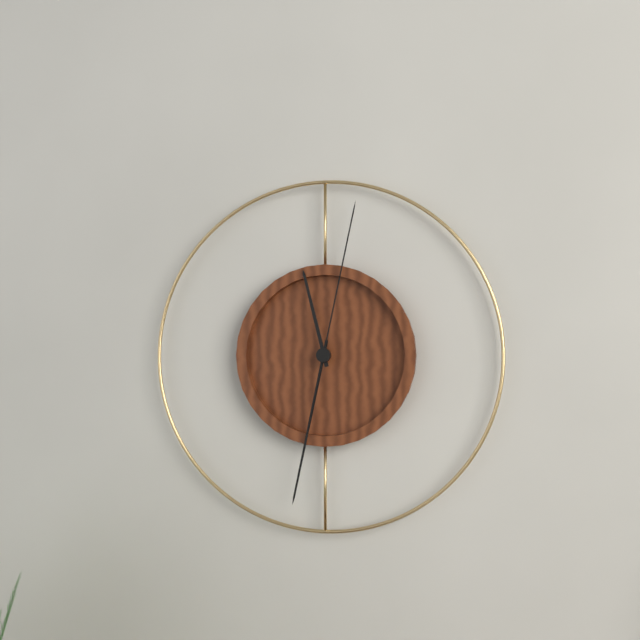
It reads 11h32m02s
